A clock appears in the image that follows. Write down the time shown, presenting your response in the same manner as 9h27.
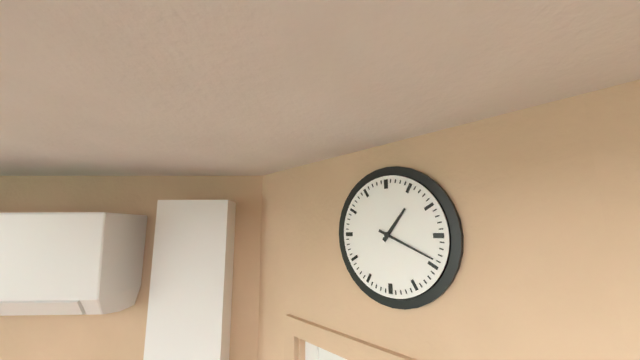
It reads 1h19
